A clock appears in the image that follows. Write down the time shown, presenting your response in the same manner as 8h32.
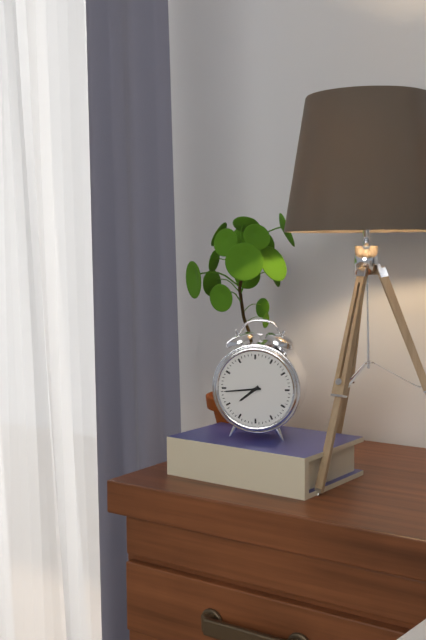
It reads 7h44
